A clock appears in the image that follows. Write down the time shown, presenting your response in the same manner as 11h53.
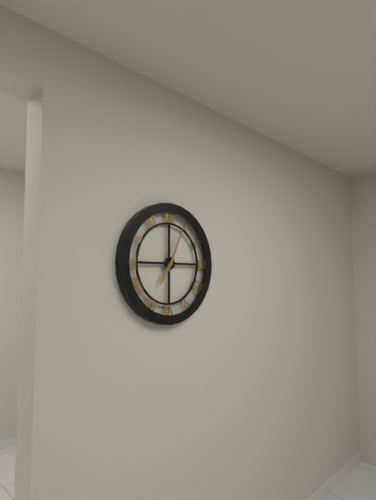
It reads 7h04
